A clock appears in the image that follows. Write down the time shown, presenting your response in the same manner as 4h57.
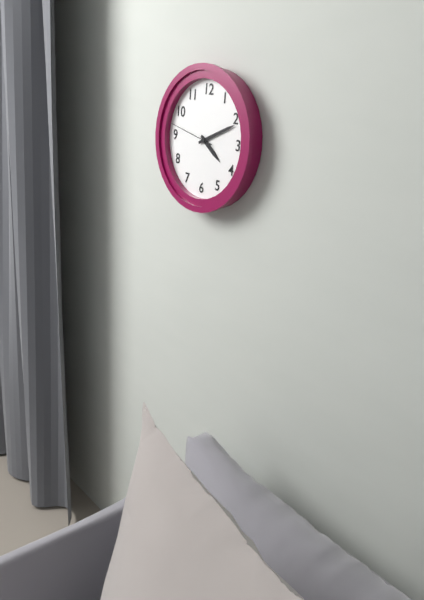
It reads 4h11
